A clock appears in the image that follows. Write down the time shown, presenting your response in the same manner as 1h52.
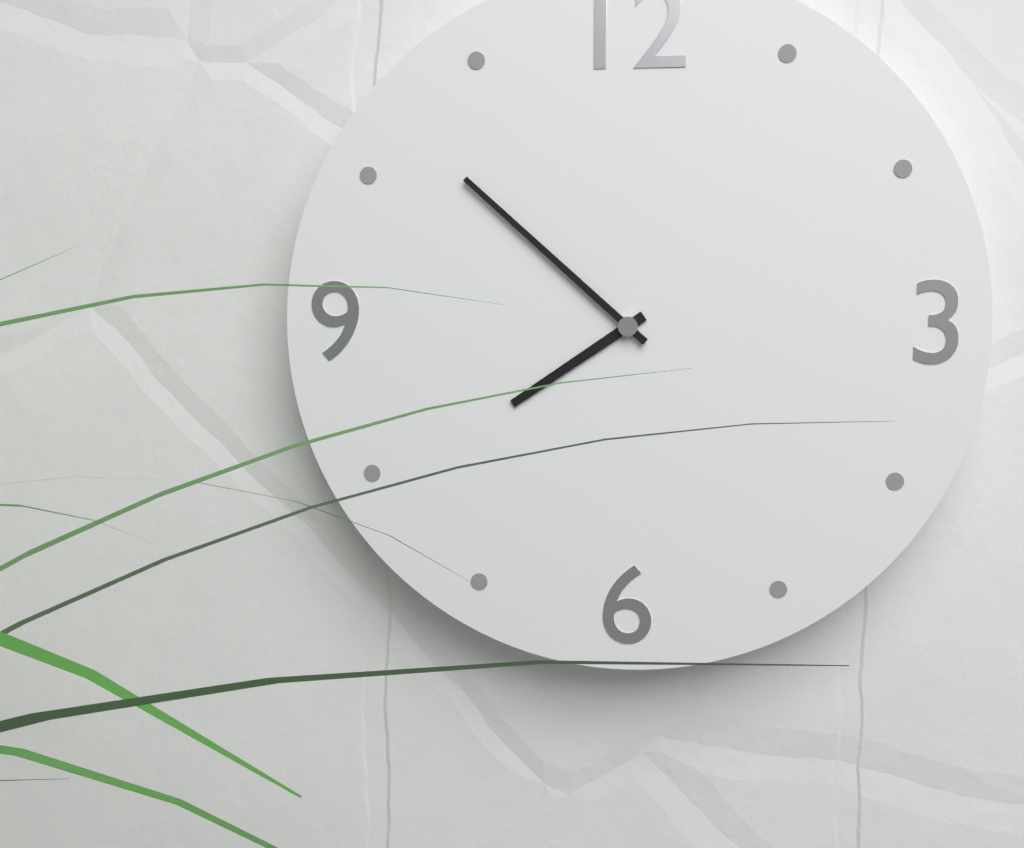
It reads 7h52
